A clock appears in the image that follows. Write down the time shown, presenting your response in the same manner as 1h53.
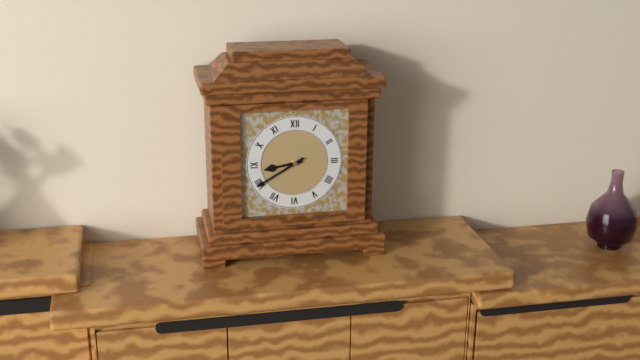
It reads 8h40
